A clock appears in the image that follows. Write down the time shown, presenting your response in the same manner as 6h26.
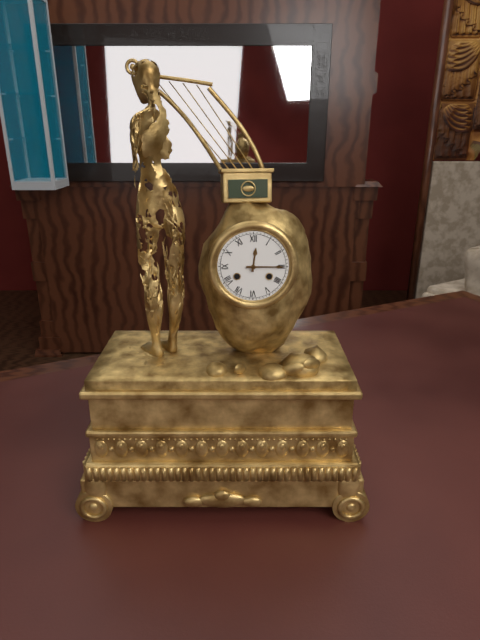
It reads 12h15
